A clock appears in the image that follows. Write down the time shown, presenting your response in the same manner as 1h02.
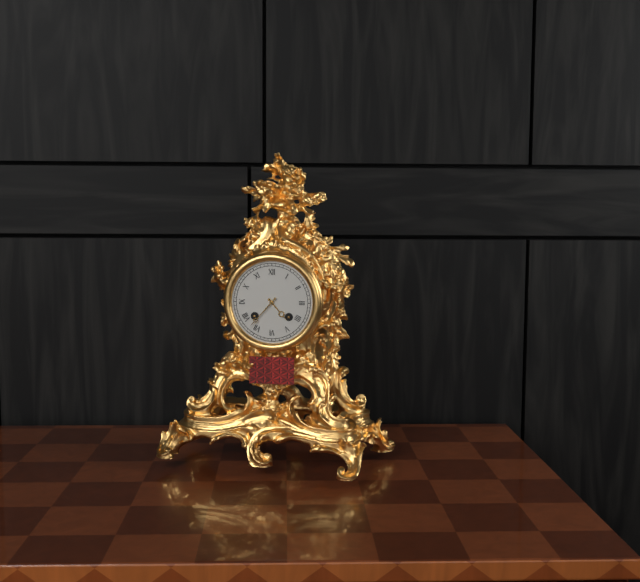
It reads 4h37
